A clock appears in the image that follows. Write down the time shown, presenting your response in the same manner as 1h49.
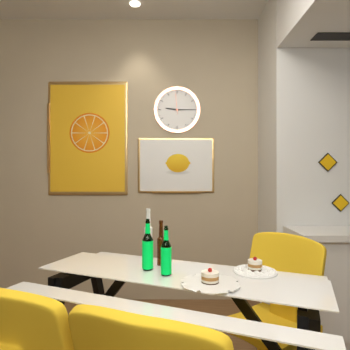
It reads 9h15
